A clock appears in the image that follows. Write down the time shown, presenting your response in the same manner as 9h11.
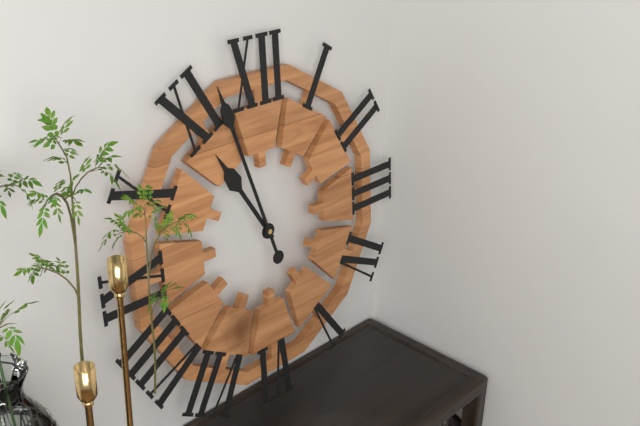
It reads 10h57
